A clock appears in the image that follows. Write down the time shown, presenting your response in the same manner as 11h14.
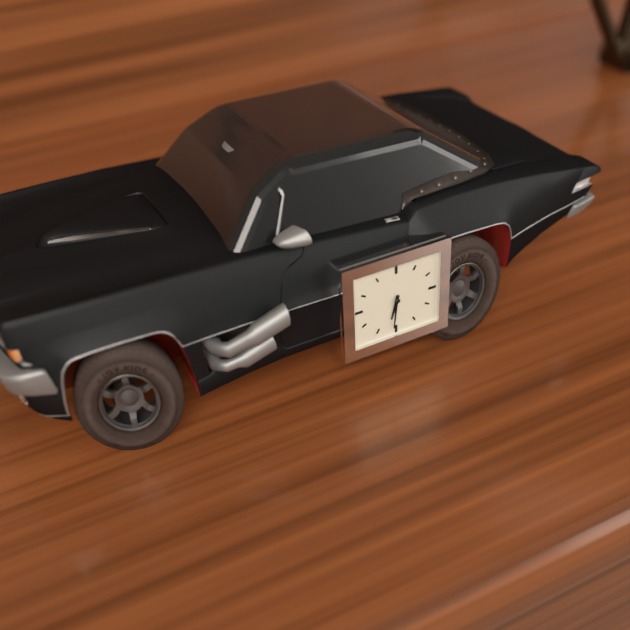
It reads 6h31
